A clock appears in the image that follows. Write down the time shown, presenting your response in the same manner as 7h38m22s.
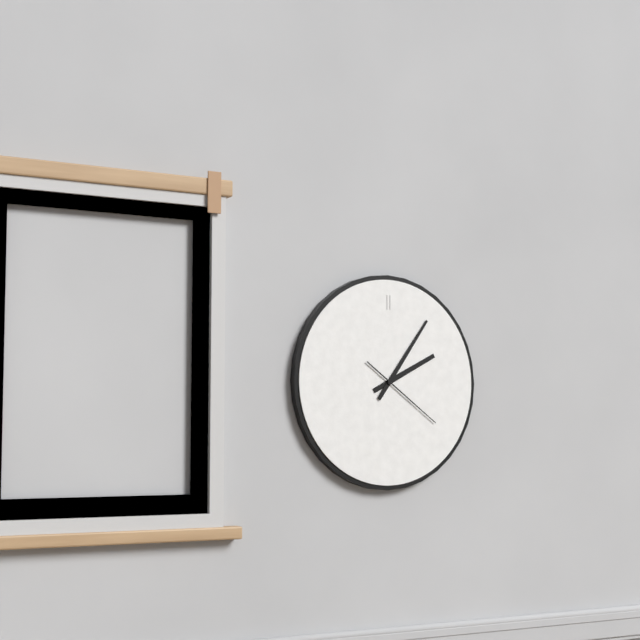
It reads 2h06m21s
